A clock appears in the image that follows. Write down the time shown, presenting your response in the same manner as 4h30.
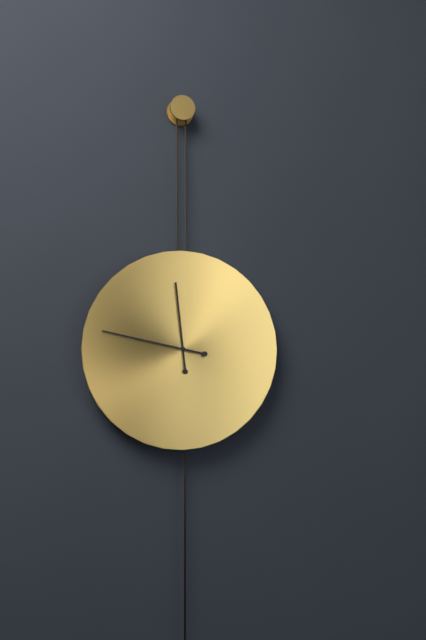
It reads 11h47
